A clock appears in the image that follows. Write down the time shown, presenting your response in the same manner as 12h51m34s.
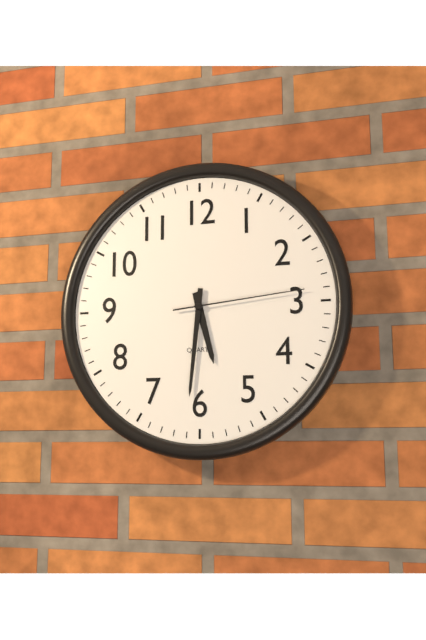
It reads 5h31m14s
